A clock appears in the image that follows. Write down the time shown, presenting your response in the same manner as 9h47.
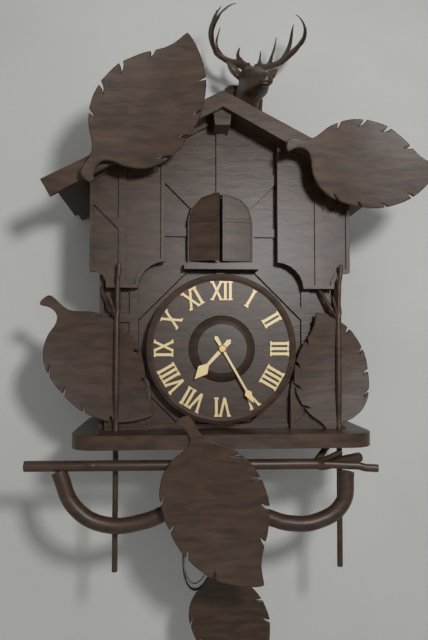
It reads 7h25
